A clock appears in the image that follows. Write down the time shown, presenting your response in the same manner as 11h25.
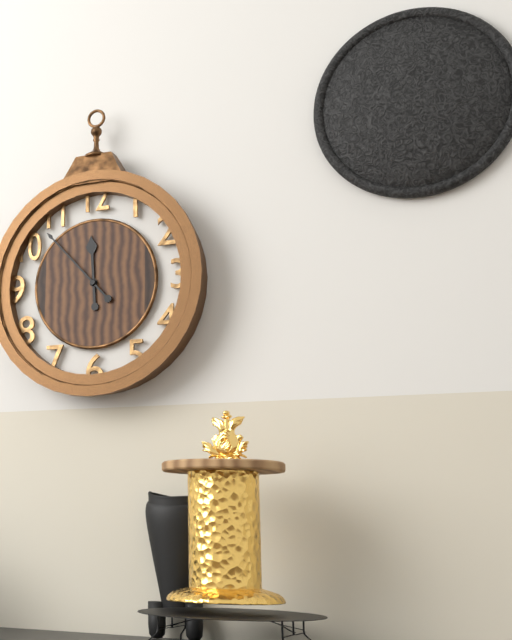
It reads 11h53
